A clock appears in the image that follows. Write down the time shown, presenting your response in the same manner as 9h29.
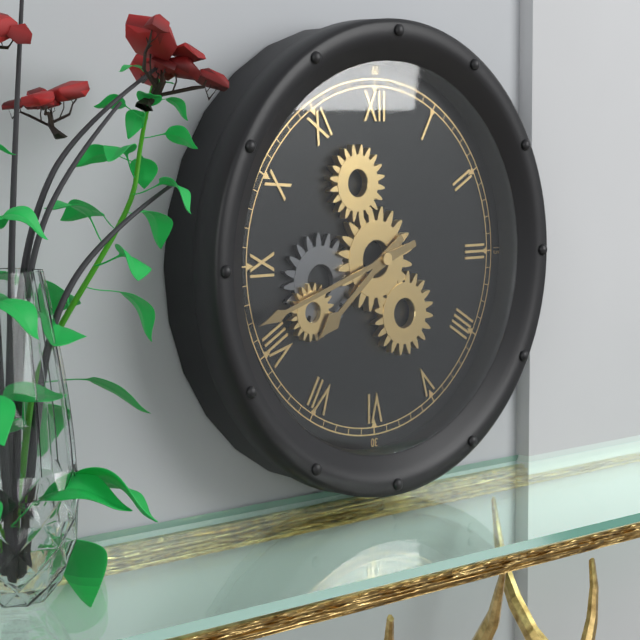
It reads 7h42
